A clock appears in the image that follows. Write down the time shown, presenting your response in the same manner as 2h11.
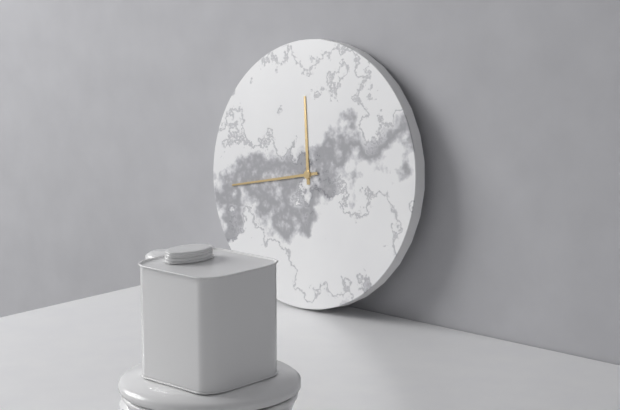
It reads 11h43
